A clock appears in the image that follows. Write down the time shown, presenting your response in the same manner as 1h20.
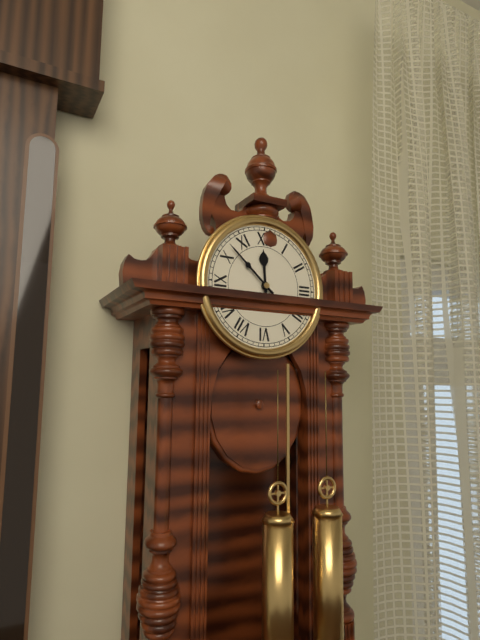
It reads 11h52
